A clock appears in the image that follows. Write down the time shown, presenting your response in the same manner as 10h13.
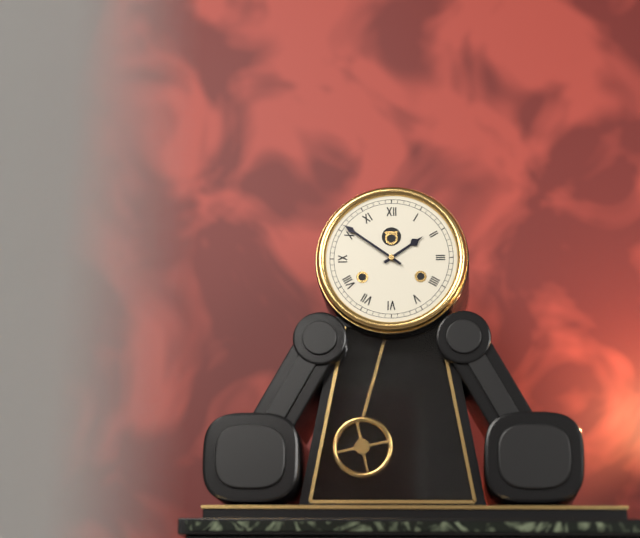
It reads 1h51
